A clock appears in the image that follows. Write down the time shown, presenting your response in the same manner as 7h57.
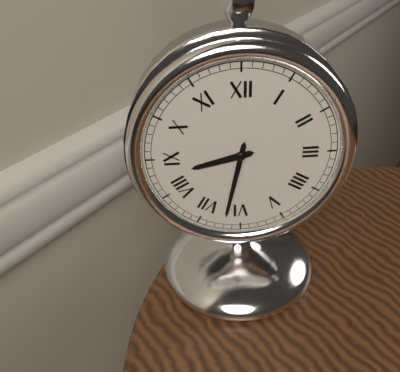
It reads 8h32
